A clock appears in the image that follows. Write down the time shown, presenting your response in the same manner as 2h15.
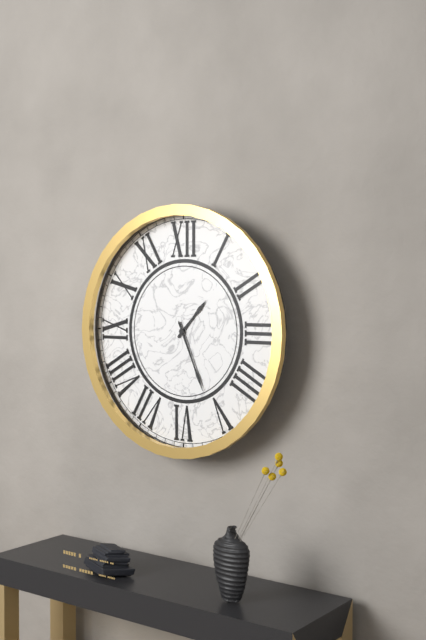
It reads 1h26
